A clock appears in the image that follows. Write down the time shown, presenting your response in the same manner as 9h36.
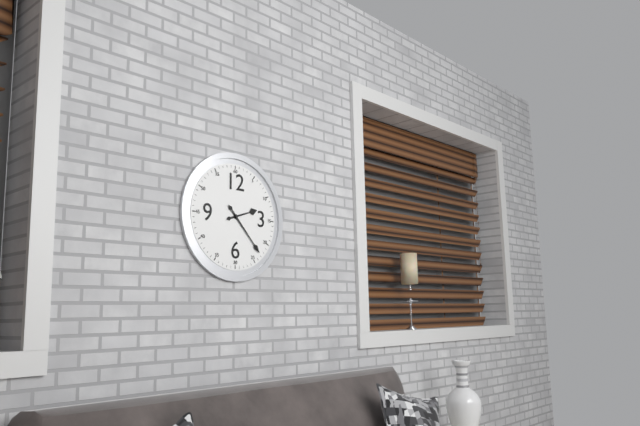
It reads 2h23
